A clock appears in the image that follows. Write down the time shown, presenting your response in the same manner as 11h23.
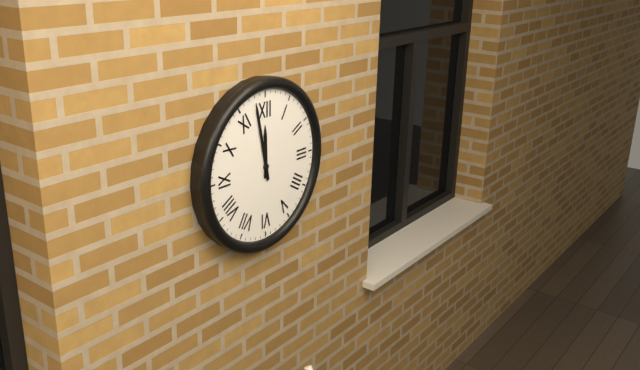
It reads 11h58
